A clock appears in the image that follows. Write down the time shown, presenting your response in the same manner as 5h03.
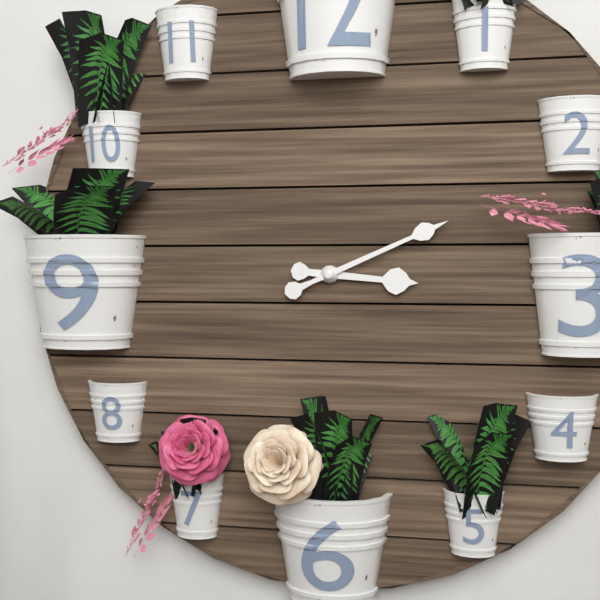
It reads 3h11
